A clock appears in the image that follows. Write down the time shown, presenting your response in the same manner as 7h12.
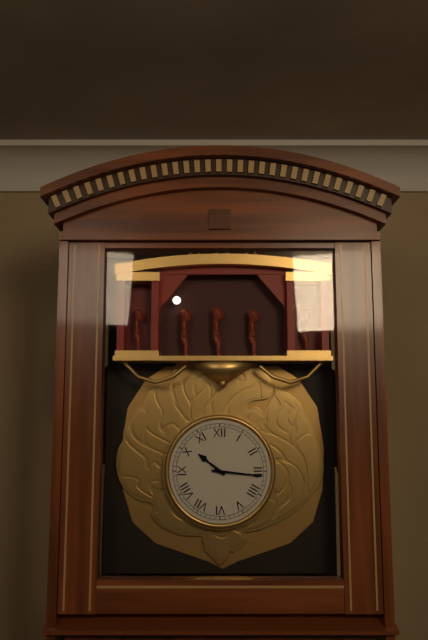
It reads 10h16
